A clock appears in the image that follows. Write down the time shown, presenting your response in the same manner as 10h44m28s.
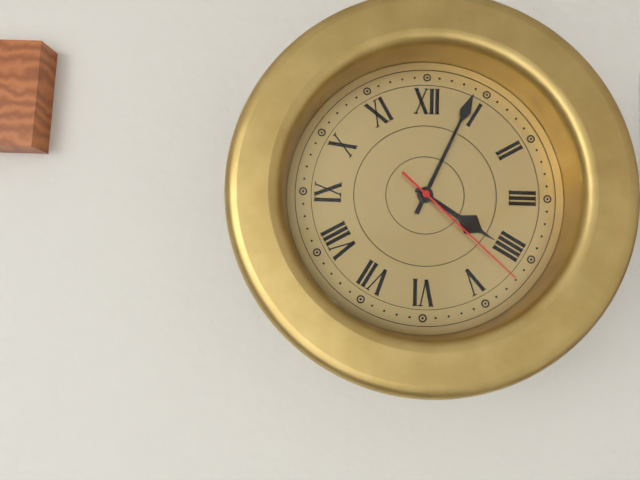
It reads 4h04m22s
